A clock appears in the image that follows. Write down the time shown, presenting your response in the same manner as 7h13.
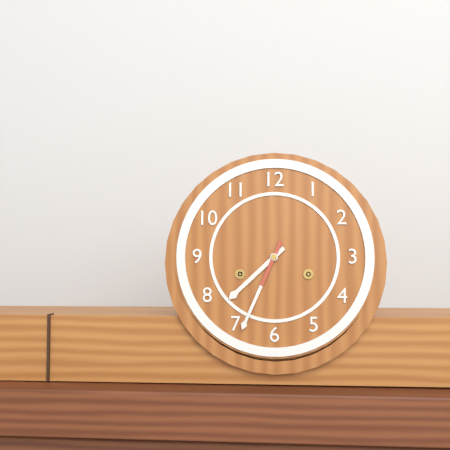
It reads 7h34
